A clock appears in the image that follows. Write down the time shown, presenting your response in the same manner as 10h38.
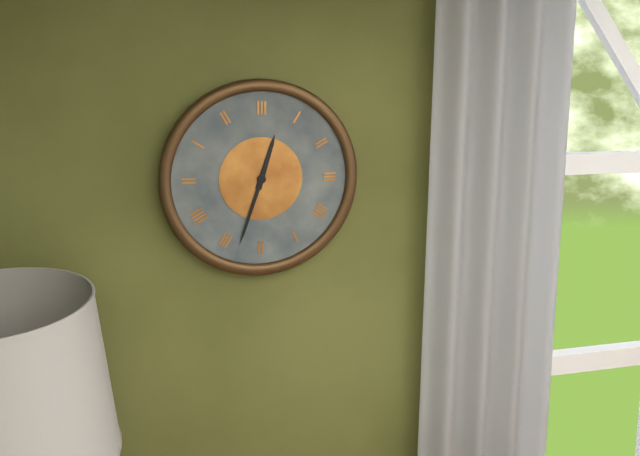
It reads 12h33
